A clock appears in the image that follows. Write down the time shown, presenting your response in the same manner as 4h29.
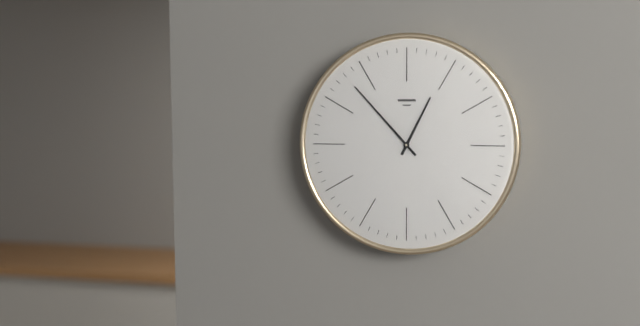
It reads 12h53
